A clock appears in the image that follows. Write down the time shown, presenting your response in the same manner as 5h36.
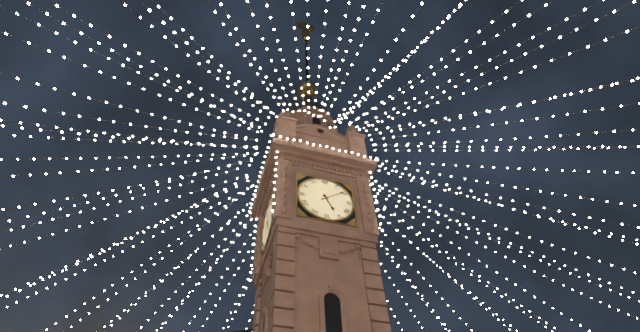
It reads 5h09
